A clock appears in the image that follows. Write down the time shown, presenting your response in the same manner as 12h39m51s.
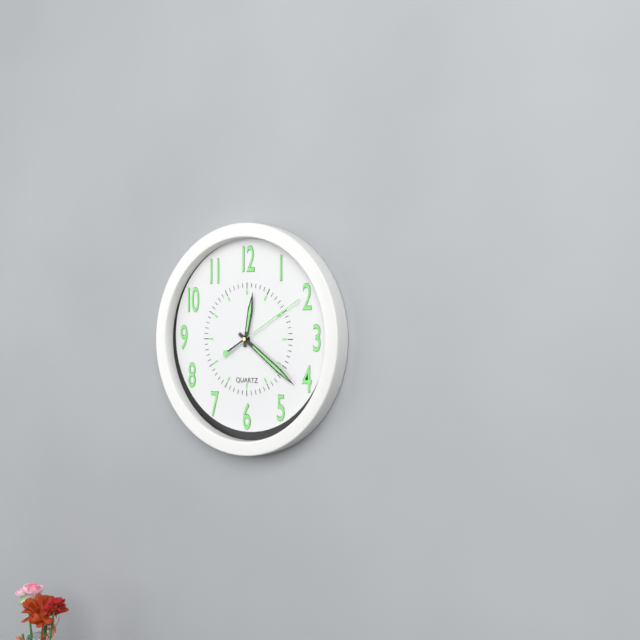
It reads 12h21m10s
